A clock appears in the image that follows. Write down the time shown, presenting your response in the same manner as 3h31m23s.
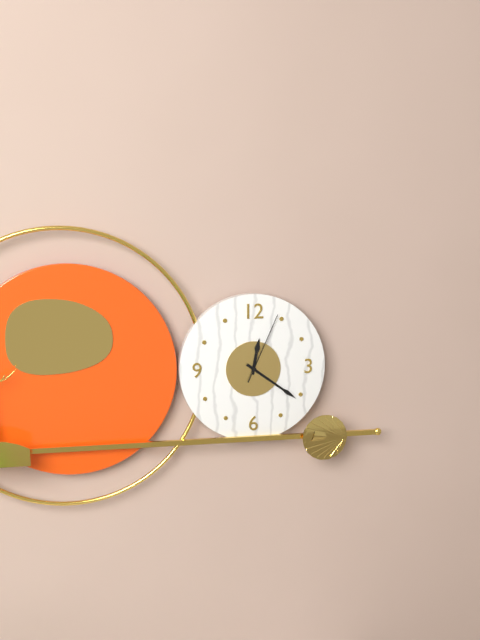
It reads 12h21m04s
